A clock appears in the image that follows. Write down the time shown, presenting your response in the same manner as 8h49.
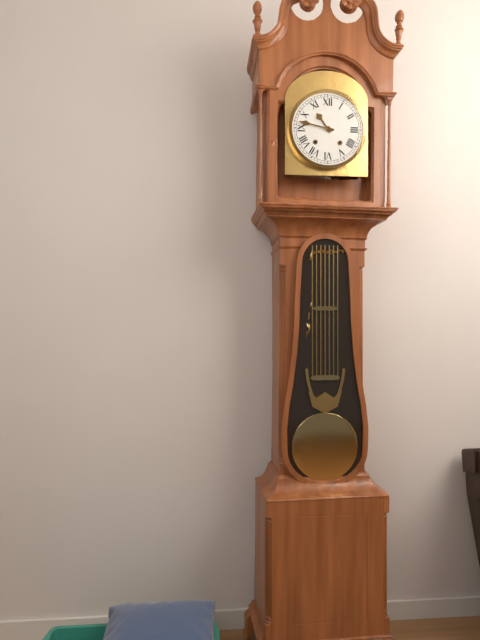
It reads 10h47
